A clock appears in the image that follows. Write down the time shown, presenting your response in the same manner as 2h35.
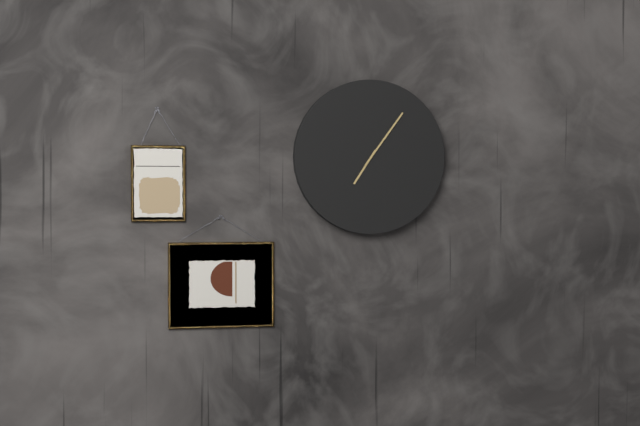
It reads 7h06
